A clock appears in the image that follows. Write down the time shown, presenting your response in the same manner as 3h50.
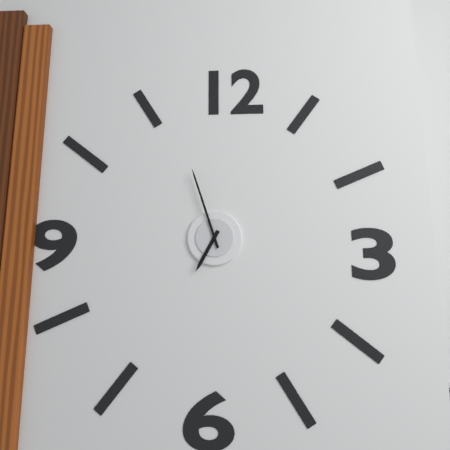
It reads 6h57
